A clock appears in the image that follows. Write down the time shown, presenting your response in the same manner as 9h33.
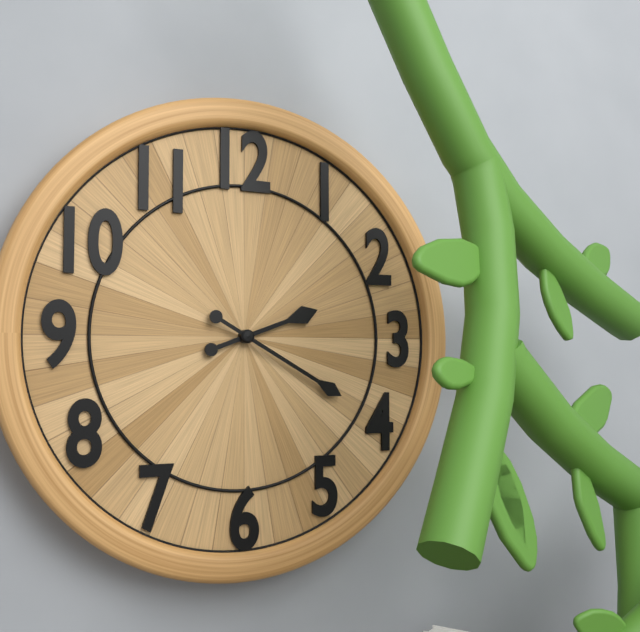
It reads 2h20
